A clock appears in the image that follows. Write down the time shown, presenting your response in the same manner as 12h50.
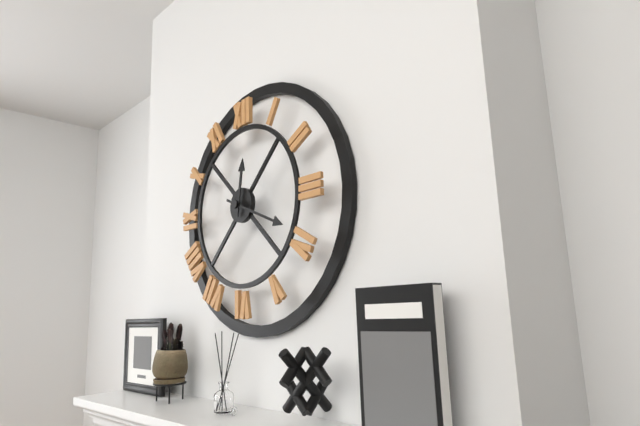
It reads 12h19
